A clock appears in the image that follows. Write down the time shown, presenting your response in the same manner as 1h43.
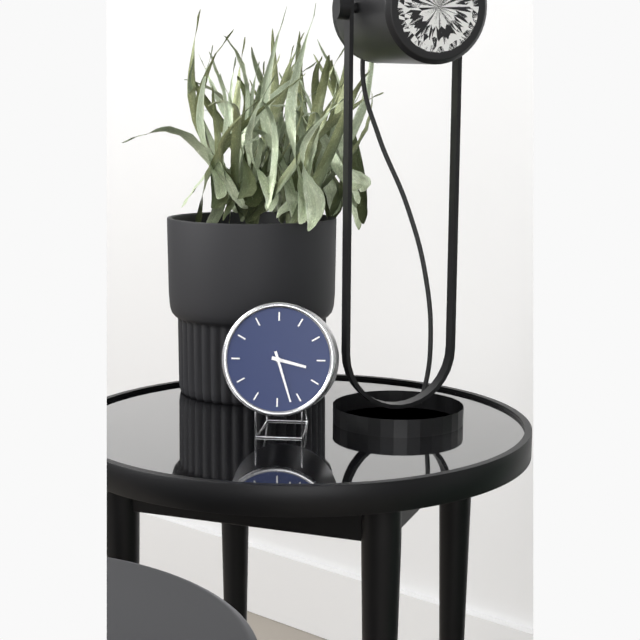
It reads 3h27
